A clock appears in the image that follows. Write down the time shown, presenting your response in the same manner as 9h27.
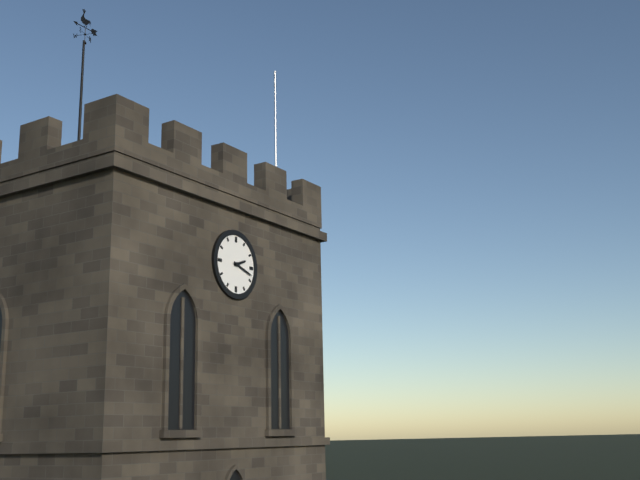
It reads 2h18
